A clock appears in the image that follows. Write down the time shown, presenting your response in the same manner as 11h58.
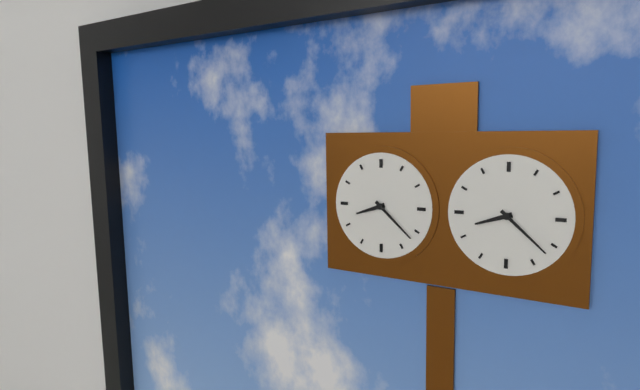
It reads 8h22
